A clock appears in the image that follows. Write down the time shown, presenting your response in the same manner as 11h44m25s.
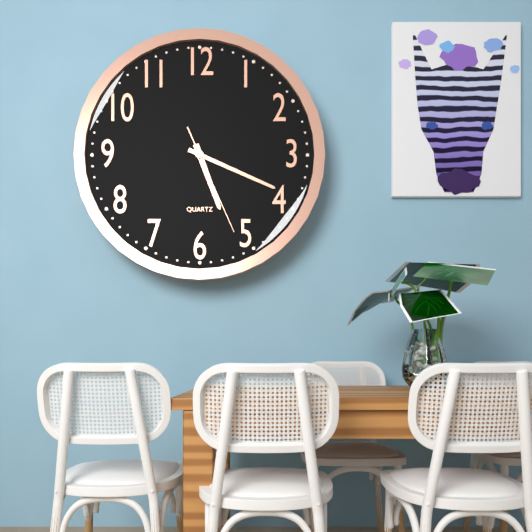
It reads 5h19m26s
